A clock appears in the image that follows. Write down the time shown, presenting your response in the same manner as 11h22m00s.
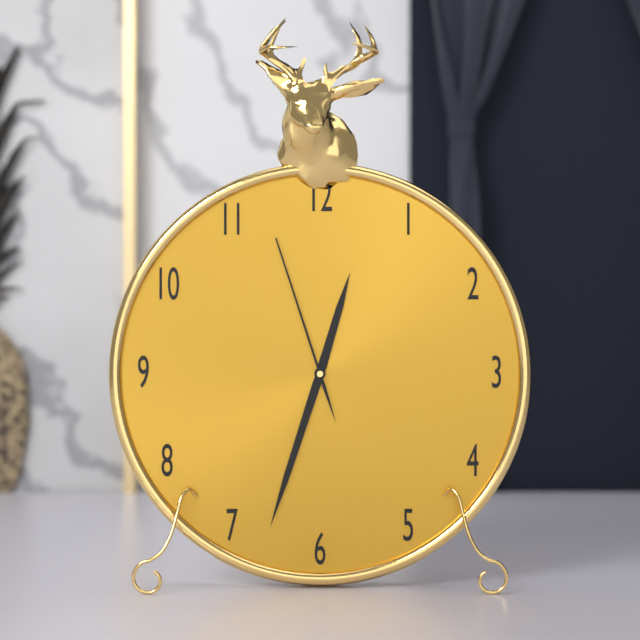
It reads 12h33m57s
